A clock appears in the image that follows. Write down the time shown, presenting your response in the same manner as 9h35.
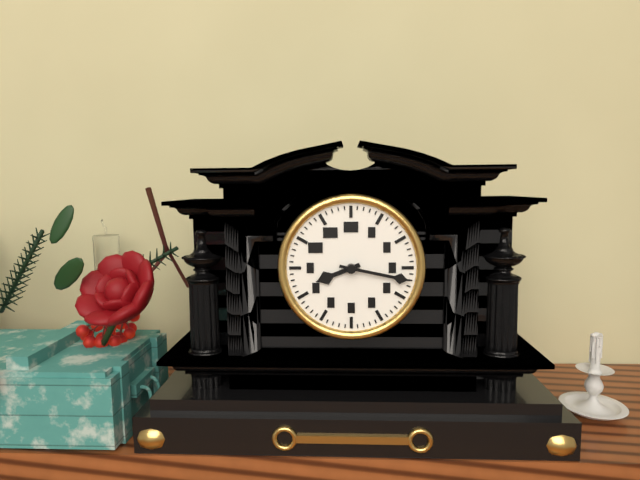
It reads 8h17
